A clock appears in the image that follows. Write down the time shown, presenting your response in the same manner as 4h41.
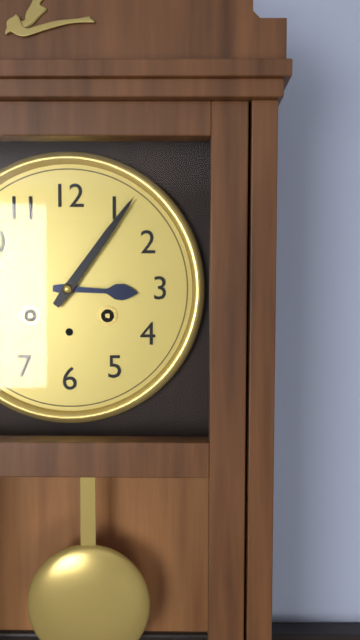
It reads 3h06
